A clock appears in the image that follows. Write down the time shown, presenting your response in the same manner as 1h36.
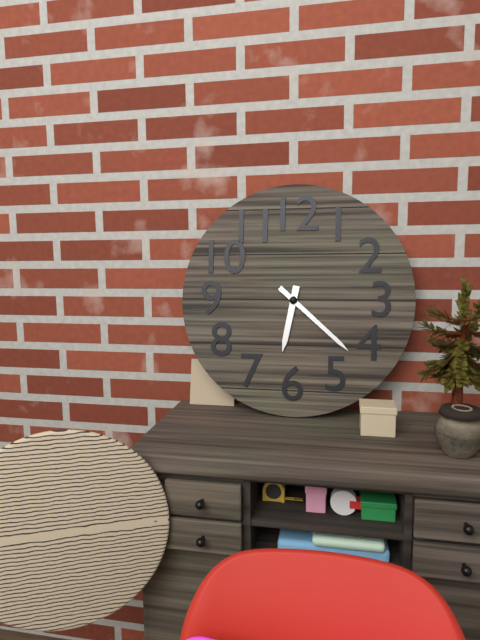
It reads 6h22
